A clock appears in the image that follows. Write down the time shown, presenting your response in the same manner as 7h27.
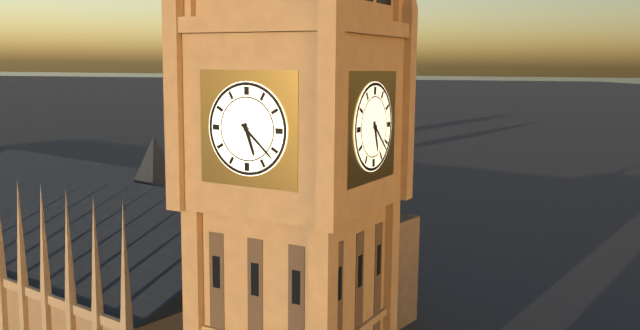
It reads 5h22
